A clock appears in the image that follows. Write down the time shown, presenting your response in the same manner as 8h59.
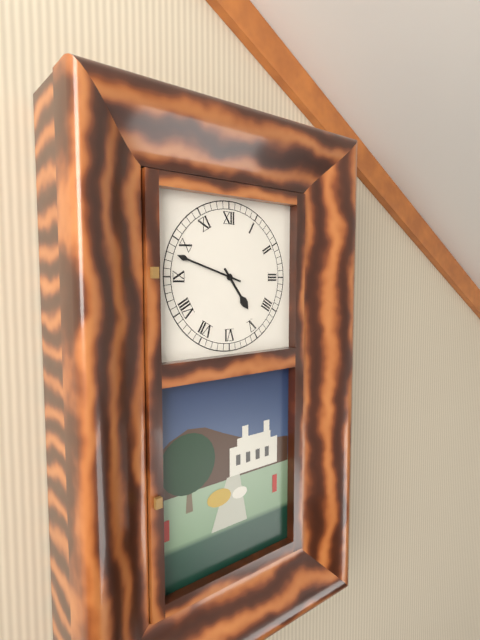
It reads 4h48
